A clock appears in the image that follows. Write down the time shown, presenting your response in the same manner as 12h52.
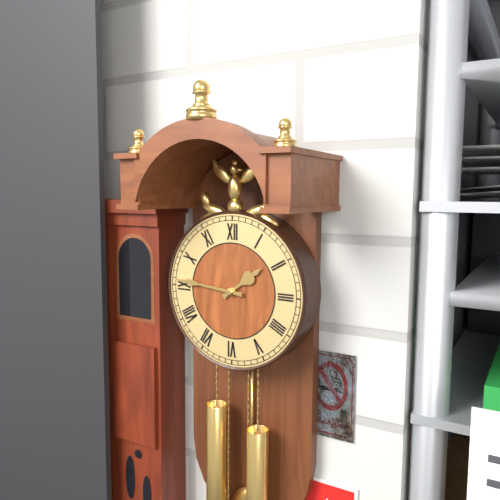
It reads 1h46
